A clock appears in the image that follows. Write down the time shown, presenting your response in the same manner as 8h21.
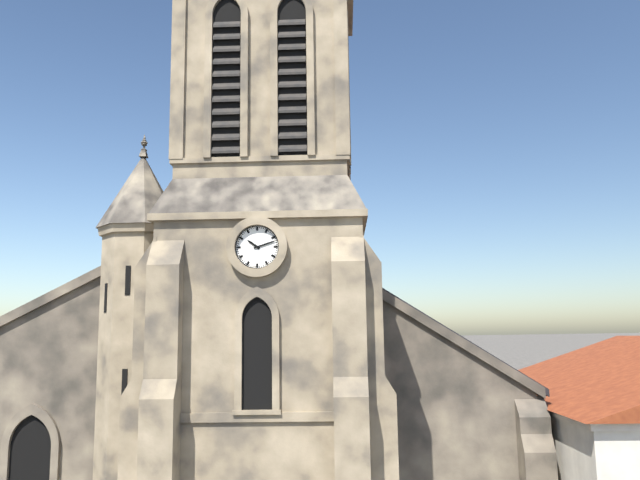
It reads 10h12
